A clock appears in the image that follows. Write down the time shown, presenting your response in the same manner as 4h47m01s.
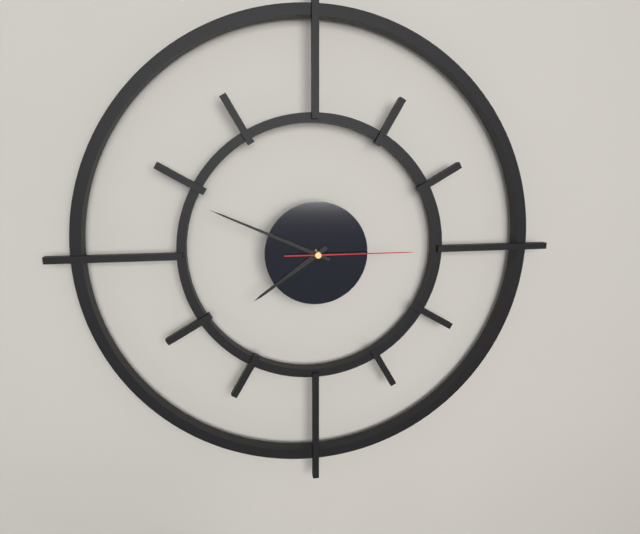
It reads 7h49m15s
